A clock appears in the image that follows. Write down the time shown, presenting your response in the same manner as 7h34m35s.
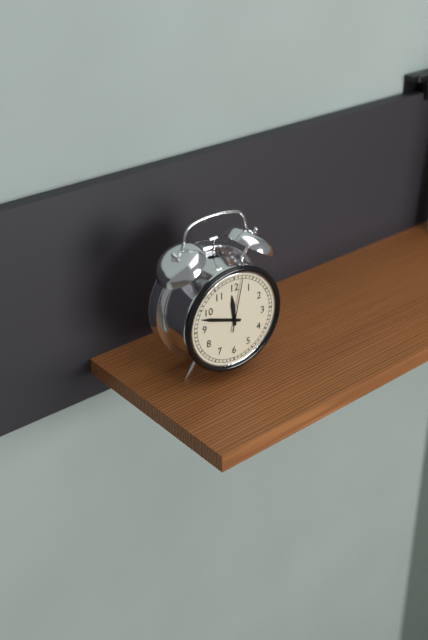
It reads 11h48m02s
